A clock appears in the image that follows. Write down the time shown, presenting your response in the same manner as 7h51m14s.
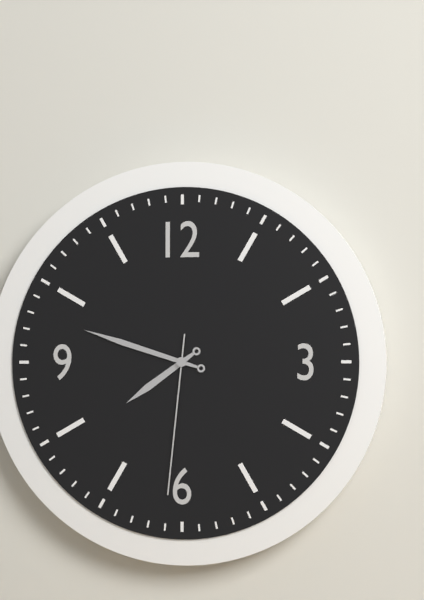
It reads 7h48m31s
